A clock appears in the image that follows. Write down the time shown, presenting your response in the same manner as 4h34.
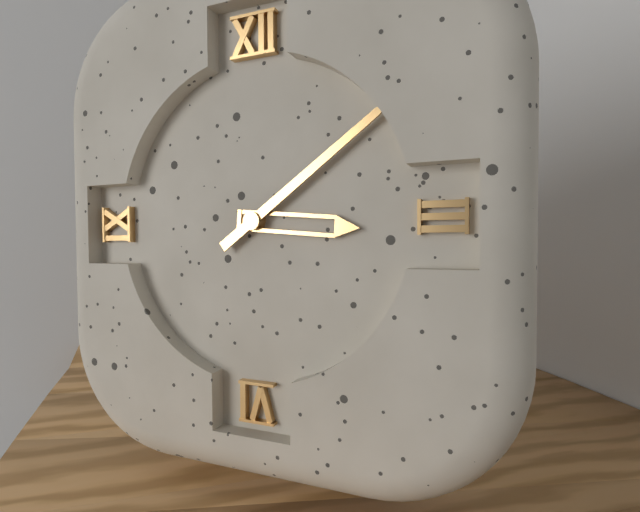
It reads 3h09
